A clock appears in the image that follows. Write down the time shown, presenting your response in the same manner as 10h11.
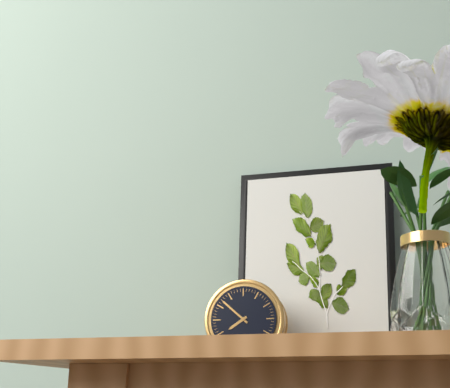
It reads 7h52
